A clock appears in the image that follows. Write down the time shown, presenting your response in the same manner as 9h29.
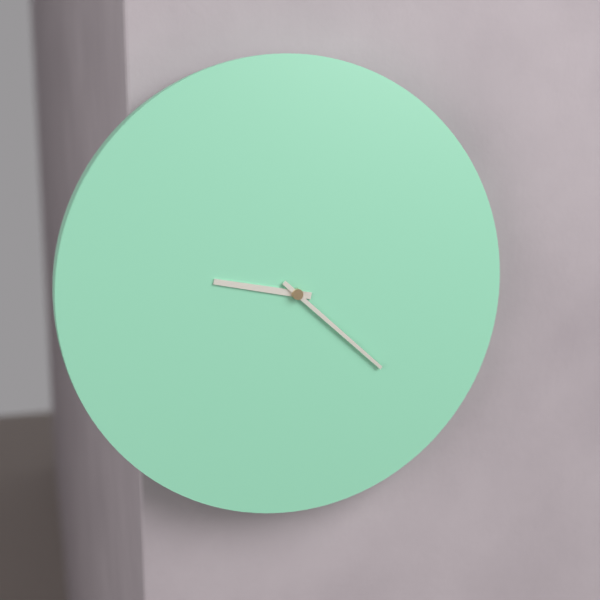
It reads 9h22
